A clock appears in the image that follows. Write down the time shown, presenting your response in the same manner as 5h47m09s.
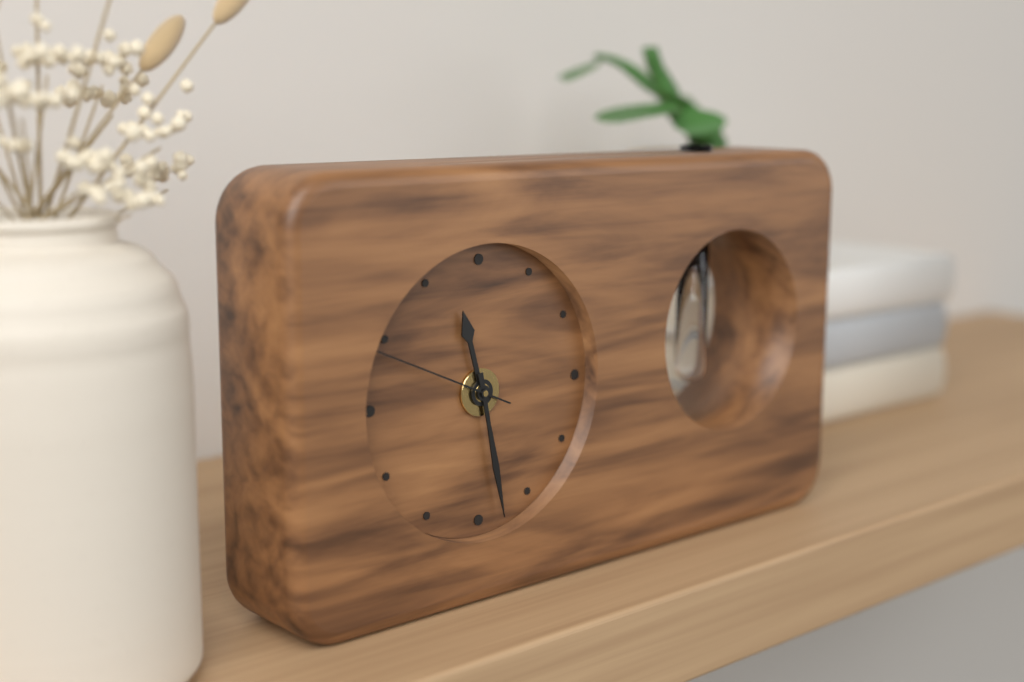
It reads 11h28m49s
